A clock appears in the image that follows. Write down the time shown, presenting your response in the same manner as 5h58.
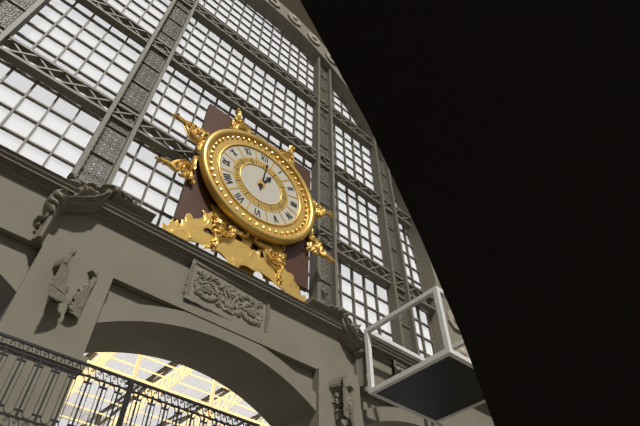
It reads 1h01
